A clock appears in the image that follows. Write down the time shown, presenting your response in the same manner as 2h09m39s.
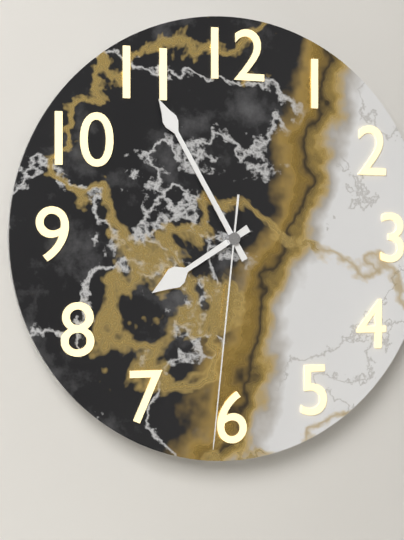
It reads 7h55m31s
